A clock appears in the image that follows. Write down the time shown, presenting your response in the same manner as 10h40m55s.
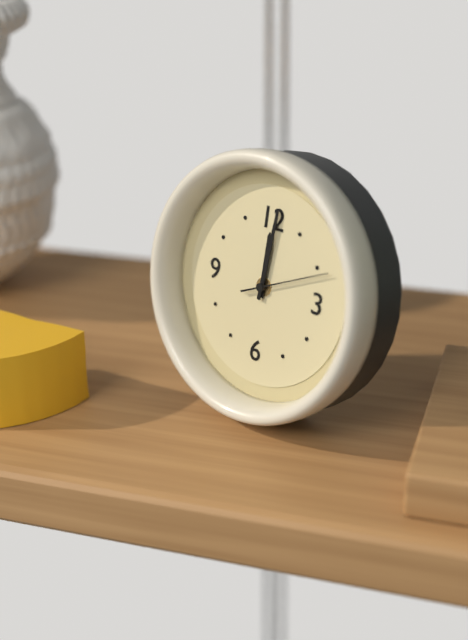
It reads 12h01m11s
